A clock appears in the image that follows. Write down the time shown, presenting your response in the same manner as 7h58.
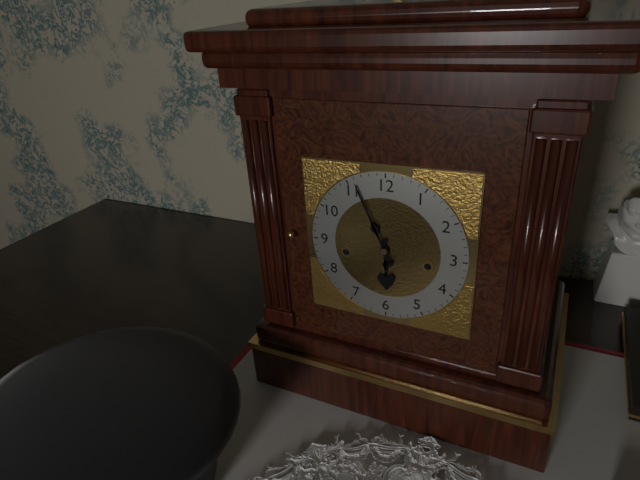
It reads 5h56
